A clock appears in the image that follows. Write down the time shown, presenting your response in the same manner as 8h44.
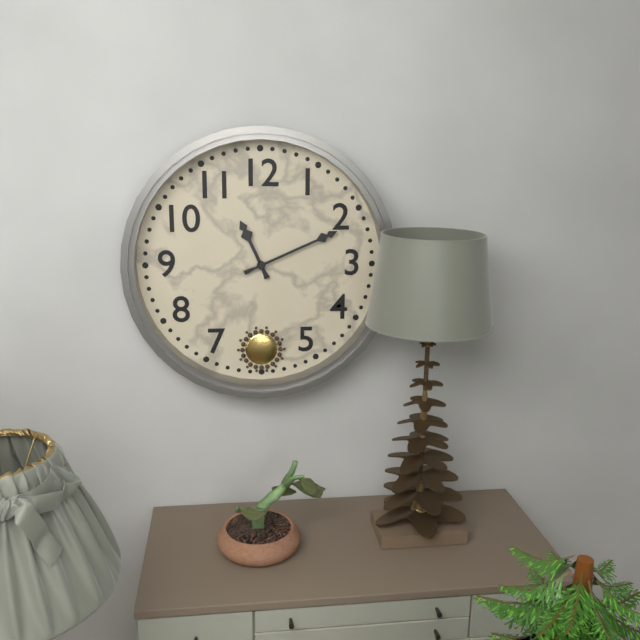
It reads 11h11
